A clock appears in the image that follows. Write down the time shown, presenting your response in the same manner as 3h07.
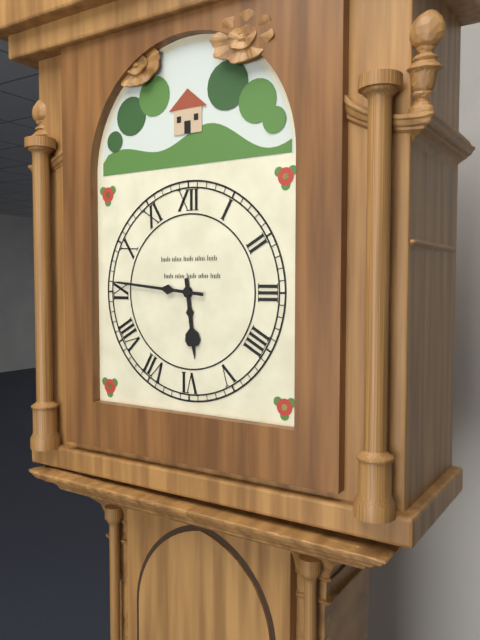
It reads 5h46
